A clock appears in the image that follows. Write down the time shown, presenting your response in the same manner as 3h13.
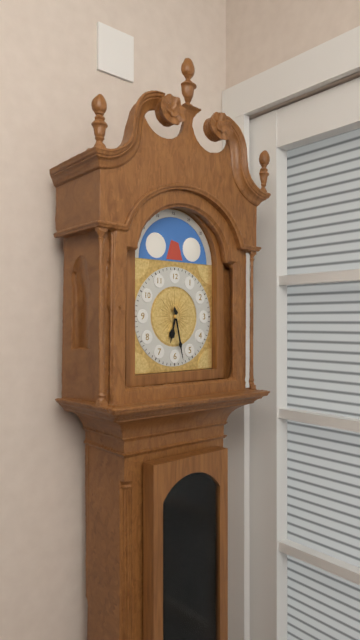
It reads 6h28
